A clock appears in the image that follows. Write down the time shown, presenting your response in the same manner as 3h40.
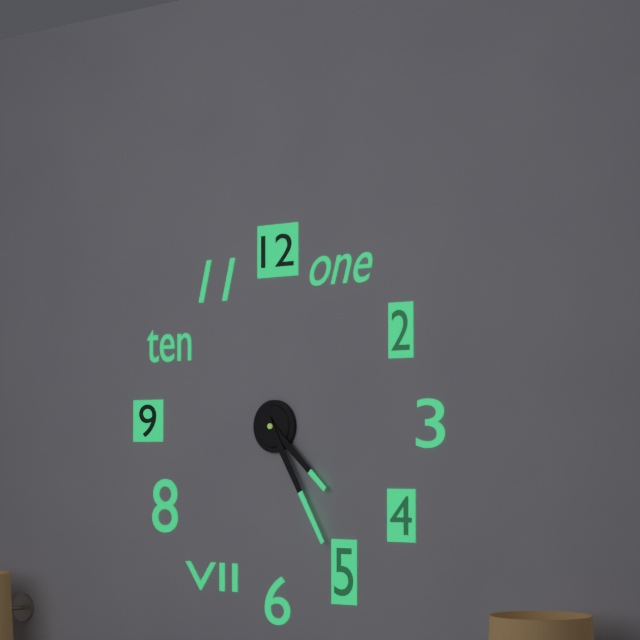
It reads 4h25
